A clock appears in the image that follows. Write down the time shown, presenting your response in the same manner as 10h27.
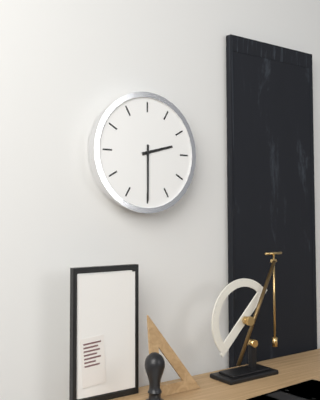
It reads 2h30
